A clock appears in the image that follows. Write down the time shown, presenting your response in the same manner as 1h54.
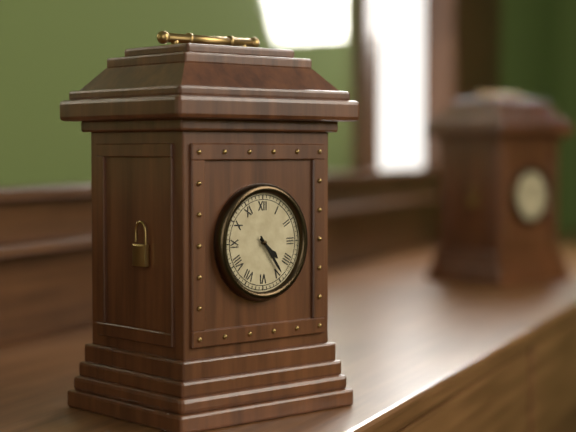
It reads 4h24
